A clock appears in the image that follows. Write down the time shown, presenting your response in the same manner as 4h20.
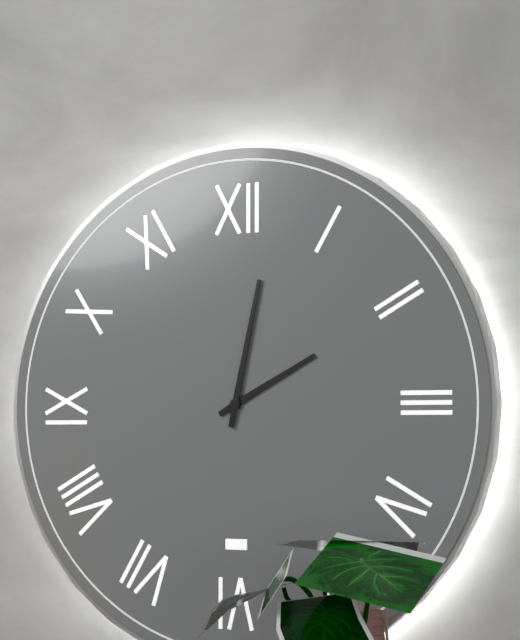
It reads 2h02
